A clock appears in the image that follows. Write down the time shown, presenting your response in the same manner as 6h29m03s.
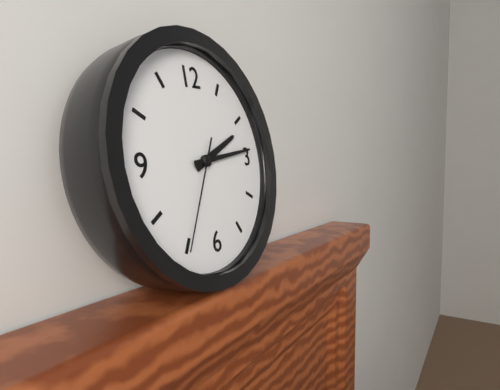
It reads 2h14m35s
